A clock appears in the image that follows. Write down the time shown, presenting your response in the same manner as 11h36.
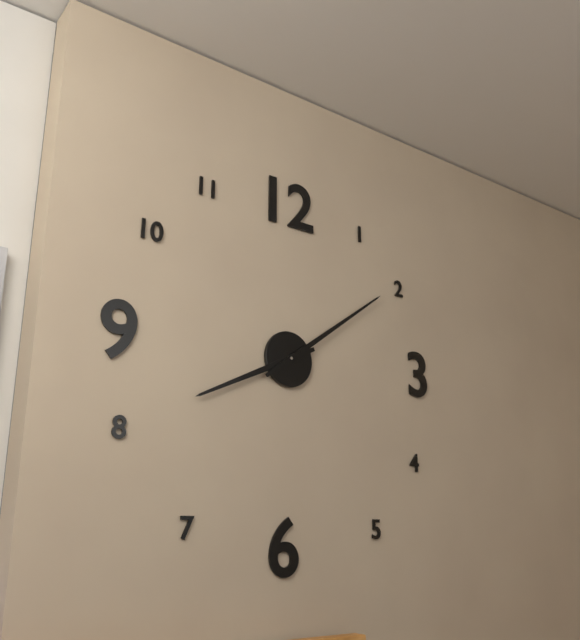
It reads 8h09
